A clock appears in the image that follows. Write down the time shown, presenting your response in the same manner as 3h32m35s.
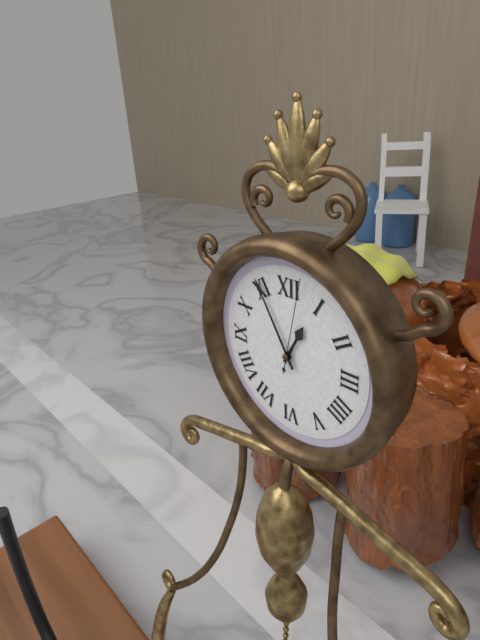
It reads 12h55m02s
